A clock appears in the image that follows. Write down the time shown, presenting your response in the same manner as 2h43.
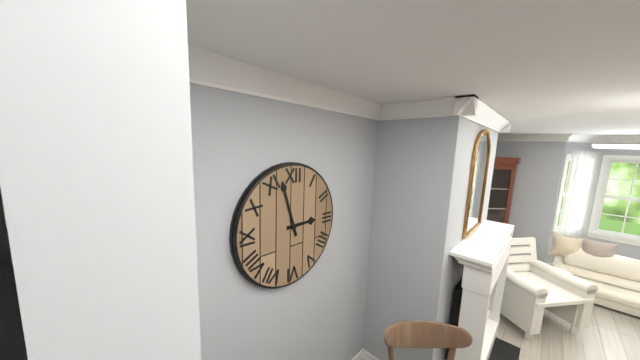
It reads 2h57
